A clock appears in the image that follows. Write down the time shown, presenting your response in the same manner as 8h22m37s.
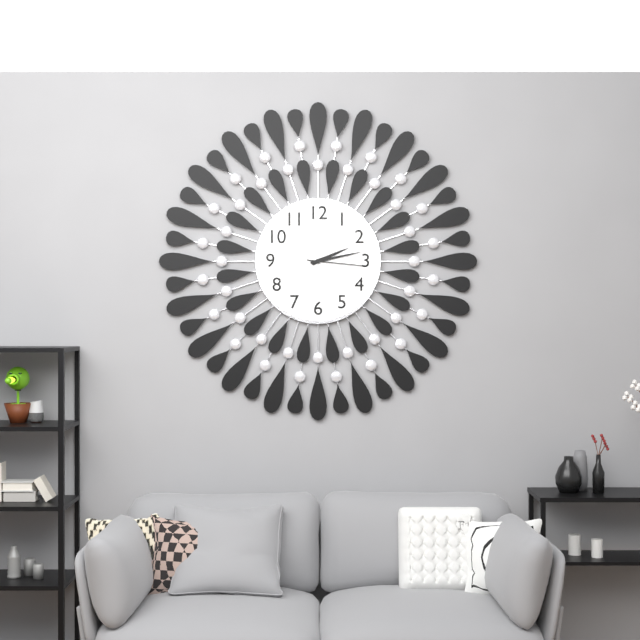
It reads 2h13m16s
